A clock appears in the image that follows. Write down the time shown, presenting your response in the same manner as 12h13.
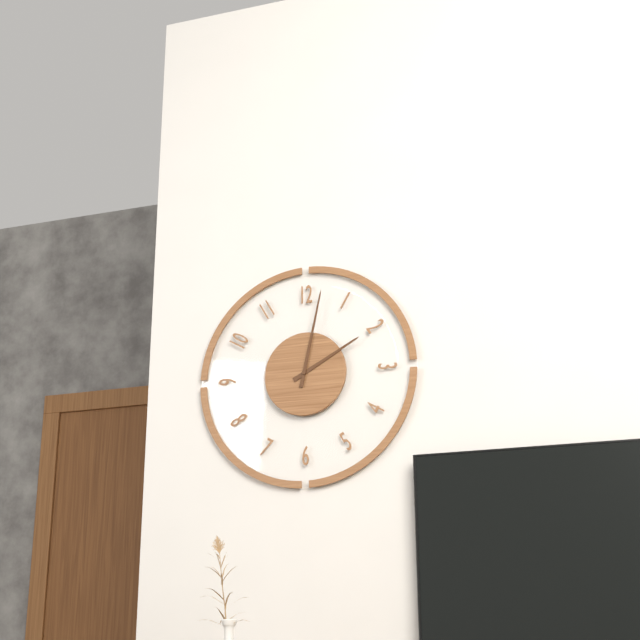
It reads 2h02
